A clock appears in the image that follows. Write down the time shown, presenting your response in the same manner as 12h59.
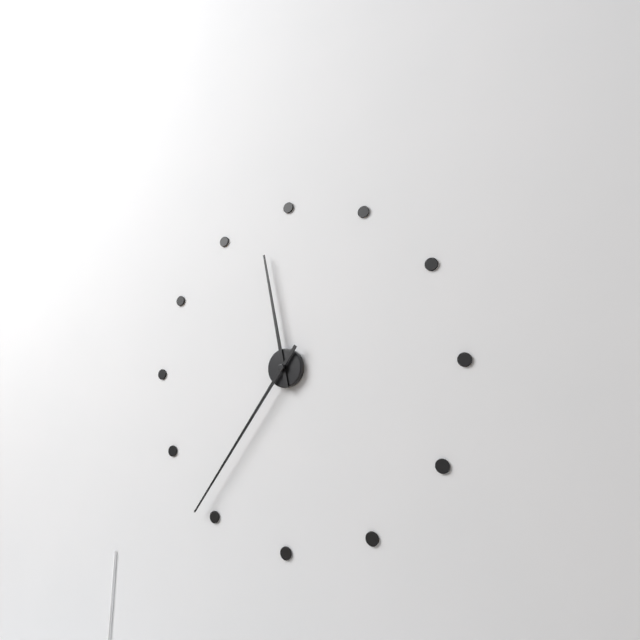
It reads 11h36
